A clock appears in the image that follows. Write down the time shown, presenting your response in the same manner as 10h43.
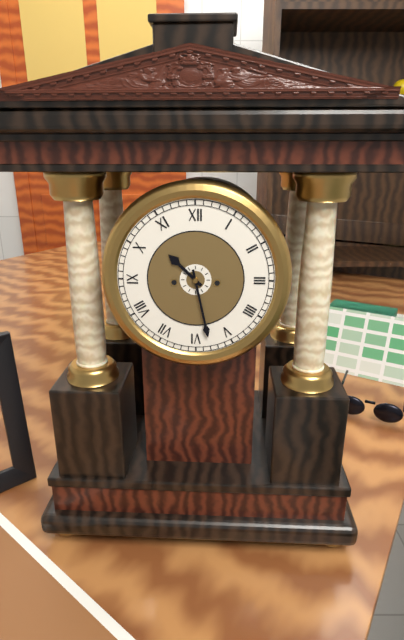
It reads 10h28
